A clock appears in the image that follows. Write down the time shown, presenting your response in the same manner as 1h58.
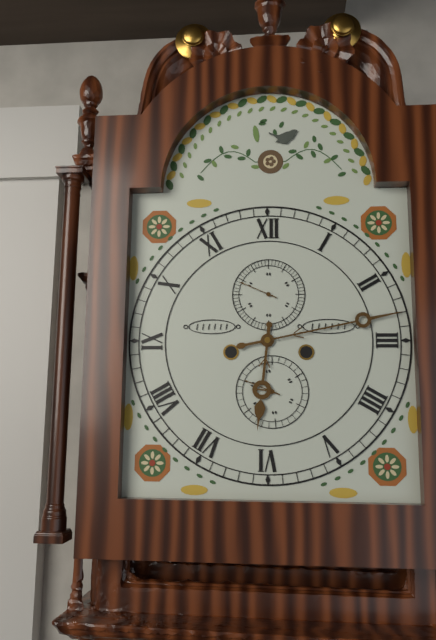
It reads 6h13
